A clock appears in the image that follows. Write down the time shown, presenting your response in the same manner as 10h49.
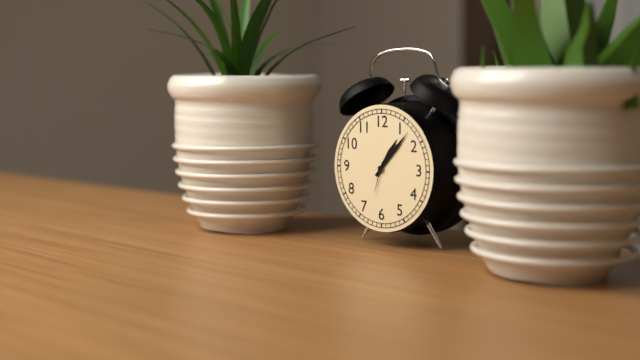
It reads 1h07
